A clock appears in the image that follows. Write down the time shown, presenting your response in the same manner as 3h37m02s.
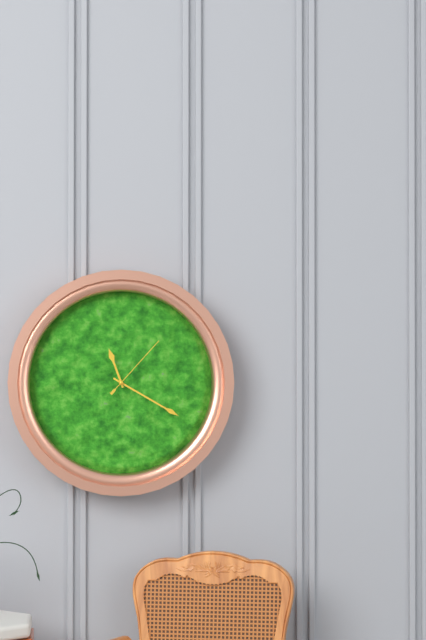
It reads 11h20m07s
